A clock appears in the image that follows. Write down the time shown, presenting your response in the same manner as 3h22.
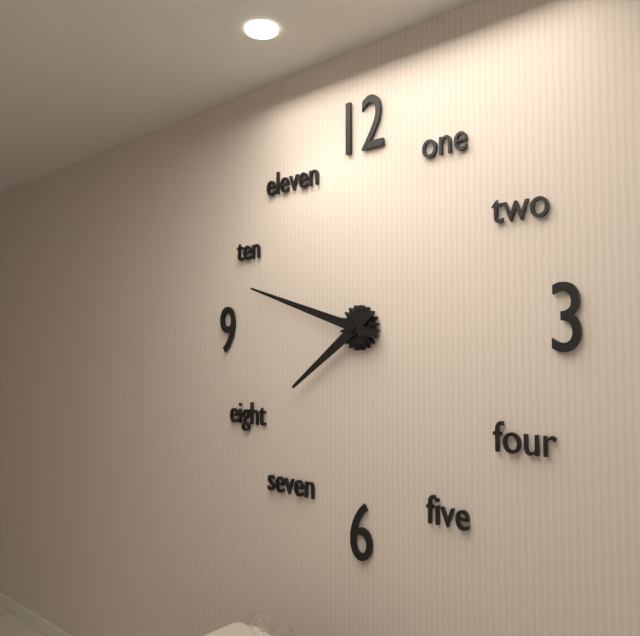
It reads 7h48
